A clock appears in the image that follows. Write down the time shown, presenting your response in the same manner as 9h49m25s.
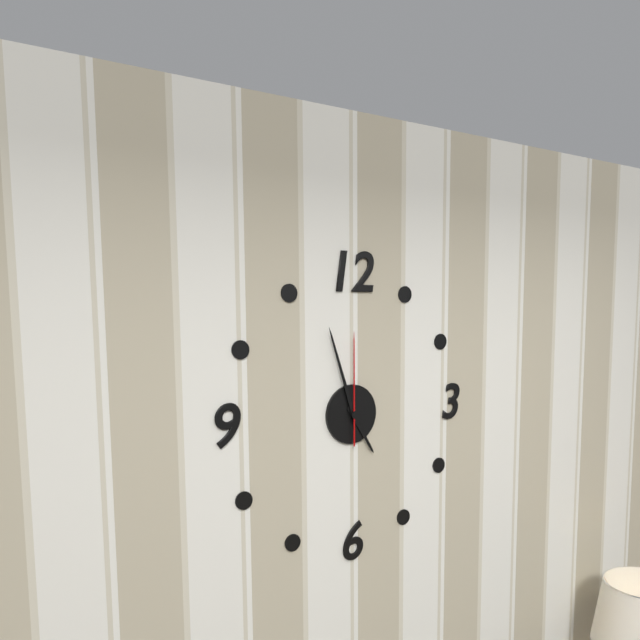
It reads 4h57m00s
